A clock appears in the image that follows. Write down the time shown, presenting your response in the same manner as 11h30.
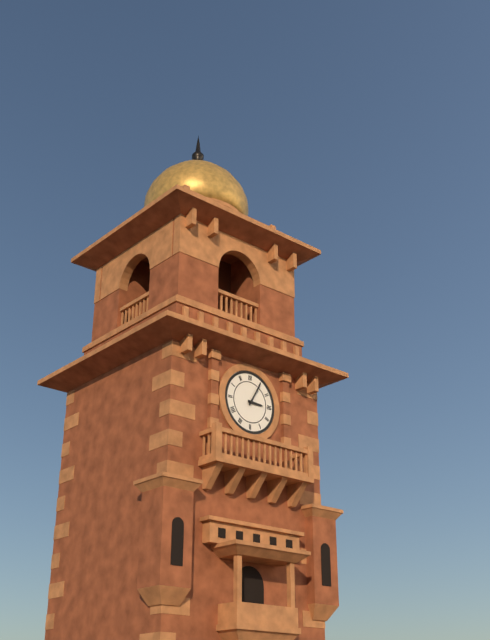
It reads 3h05
